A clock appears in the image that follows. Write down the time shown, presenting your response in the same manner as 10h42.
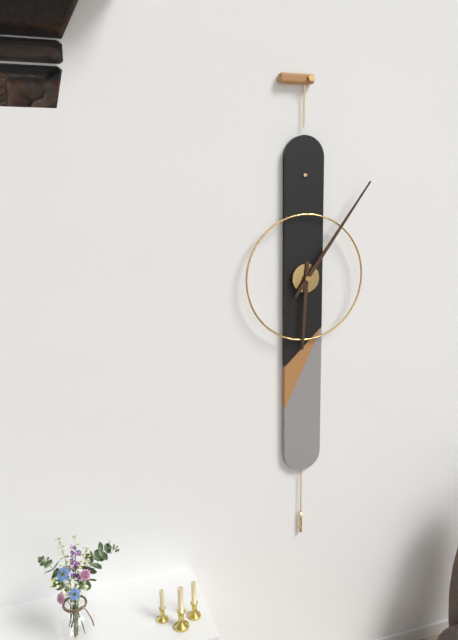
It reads 6h06
